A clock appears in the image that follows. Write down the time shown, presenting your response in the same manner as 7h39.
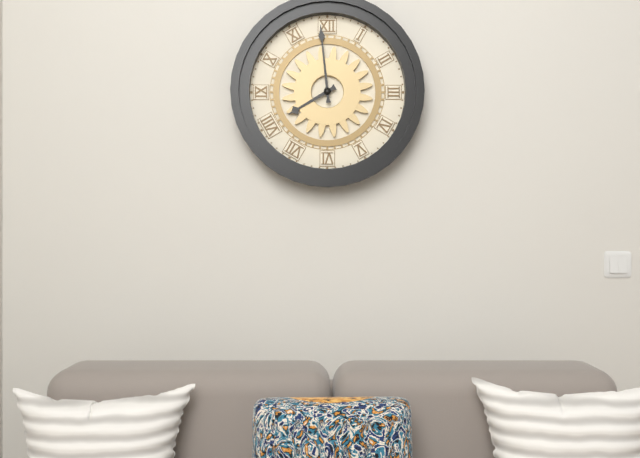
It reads 7h59
